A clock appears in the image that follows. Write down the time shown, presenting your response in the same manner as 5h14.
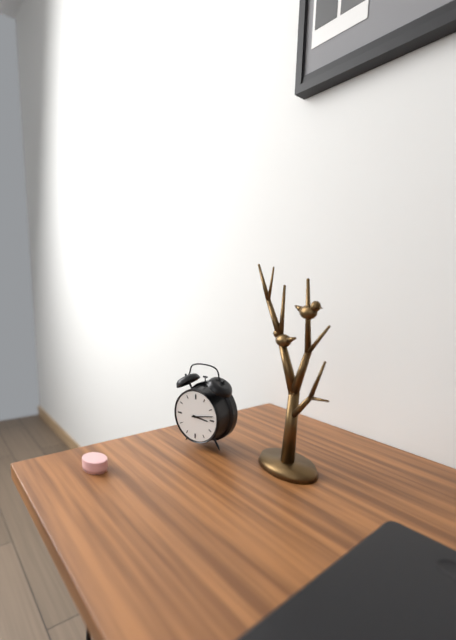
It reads 3h13
